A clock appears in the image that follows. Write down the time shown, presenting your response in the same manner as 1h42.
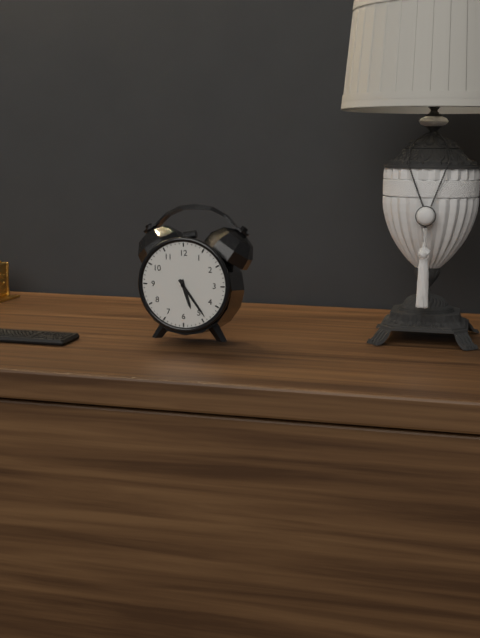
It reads 5h24
